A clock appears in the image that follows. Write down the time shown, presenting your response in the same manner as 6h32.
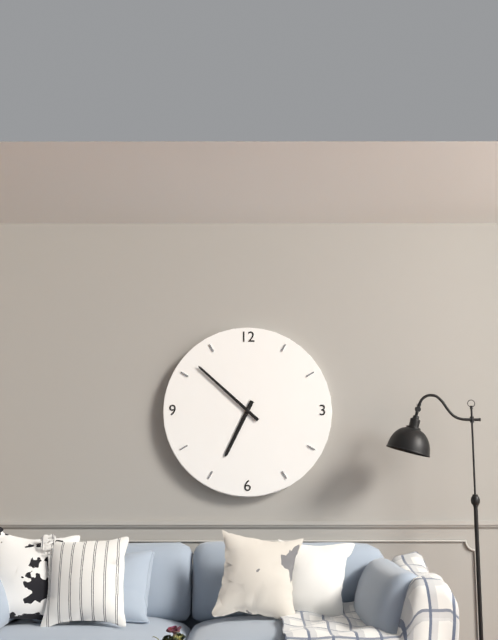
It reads 6h52
